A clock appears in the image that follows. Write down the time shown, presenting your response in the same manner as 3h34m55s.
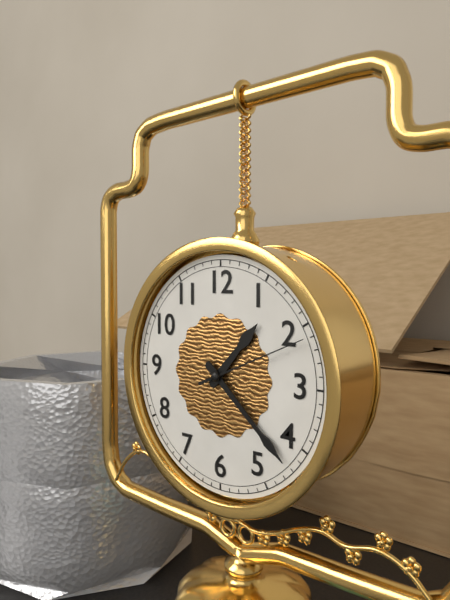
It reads 1h22m11s
